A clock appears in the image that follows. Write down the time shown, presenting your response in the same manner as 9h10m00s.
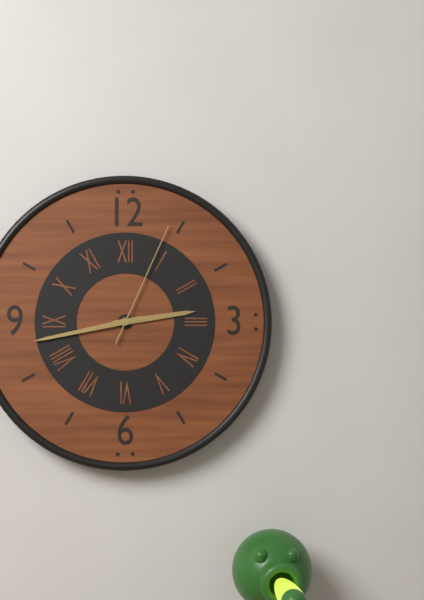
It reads 2h43m04s
